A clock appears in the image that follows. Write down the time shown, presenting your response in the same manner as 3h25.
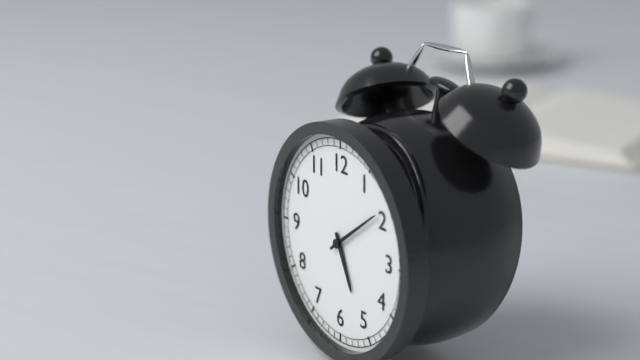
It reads 5h09
